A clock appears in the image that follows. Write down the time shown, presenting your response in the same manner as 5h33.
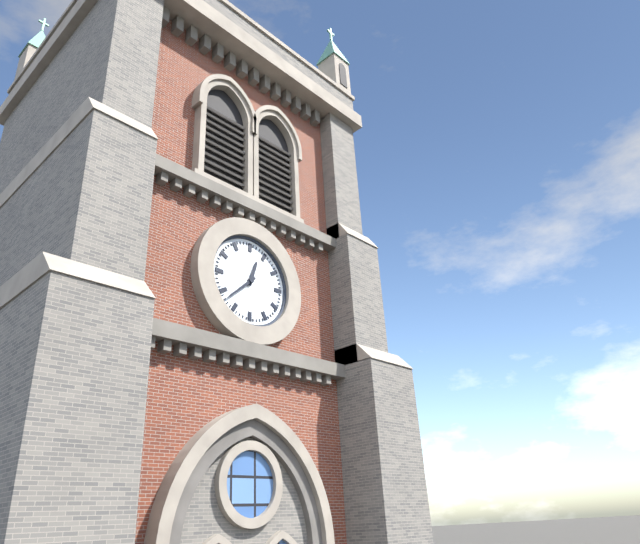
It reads 12h38
